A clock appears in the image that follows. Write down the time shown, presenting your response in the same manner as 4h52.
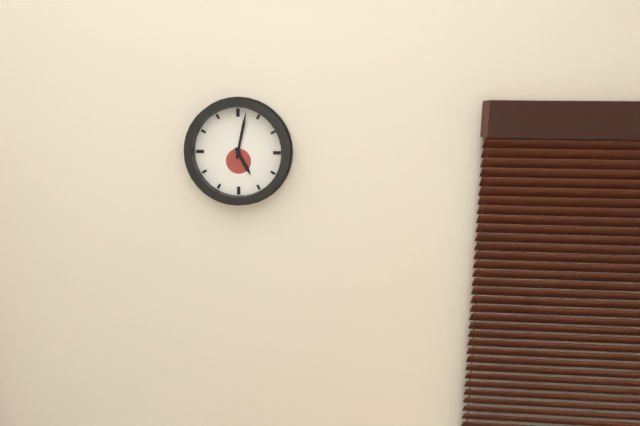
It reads 5h02
